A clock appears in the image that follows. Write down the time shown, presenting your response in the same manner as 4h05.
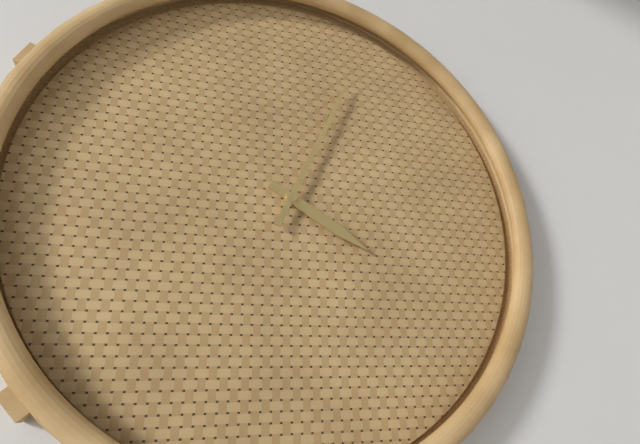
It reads 4h04
